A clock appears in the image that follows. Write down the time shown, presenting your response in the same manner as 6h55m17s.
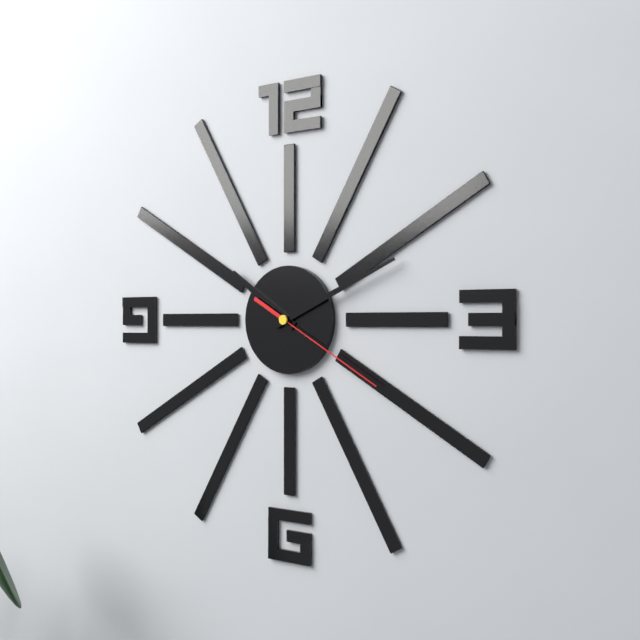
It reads 10h11m20s
